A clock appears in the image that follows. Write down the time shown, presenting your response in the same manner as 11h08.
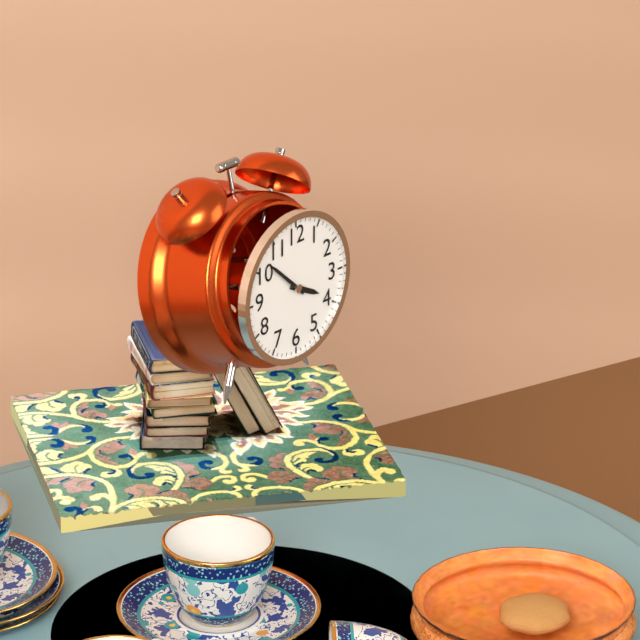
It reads 3h52
